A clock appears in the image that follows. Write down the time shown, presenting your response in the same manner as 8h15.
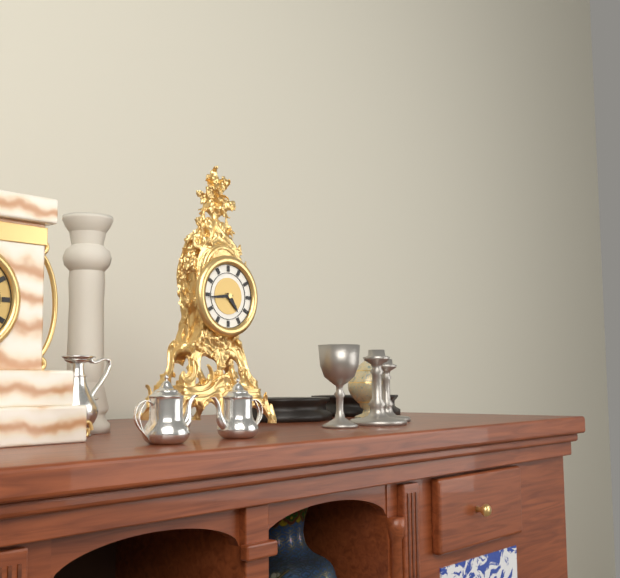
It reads 4h44
